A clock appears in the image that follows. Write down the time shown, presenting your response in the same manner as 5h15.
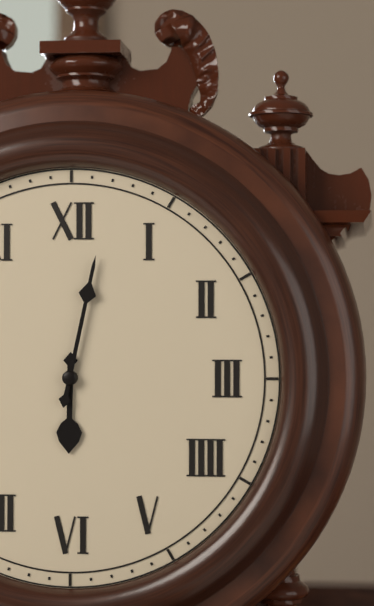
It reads 6h02
